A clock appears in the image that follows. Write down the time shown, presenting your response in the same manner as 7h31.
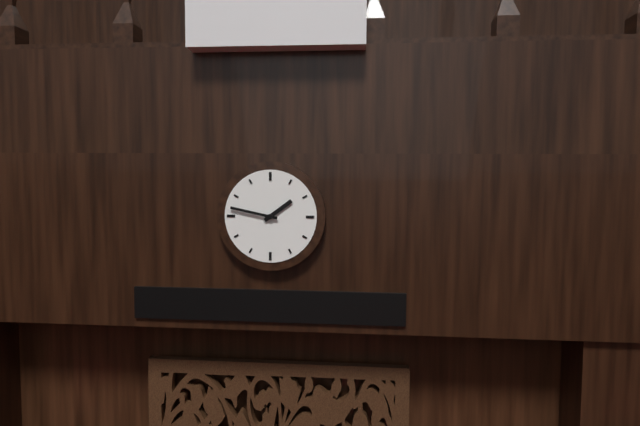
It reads 1h47
